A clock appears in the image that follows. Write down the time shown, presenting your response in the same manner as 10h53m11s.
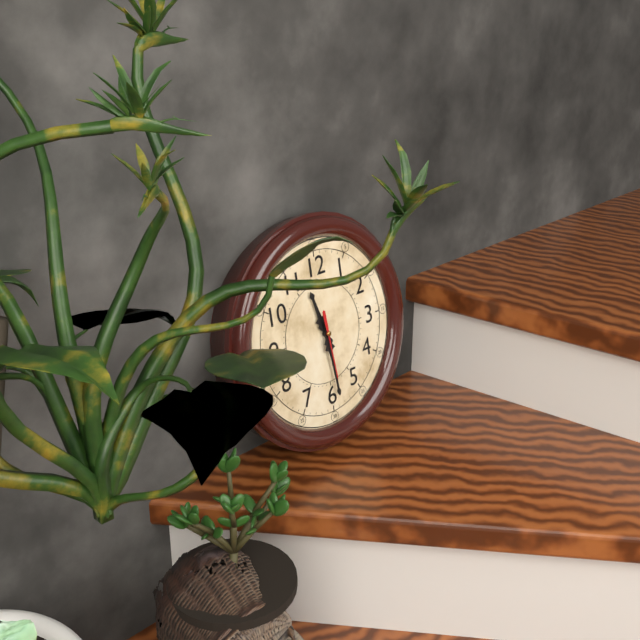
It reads 11h29m29s
